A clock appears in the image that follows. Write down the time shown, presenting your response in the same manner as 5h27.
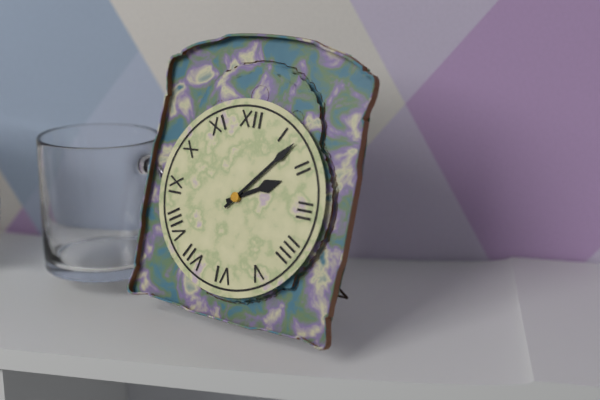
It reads 2h07
